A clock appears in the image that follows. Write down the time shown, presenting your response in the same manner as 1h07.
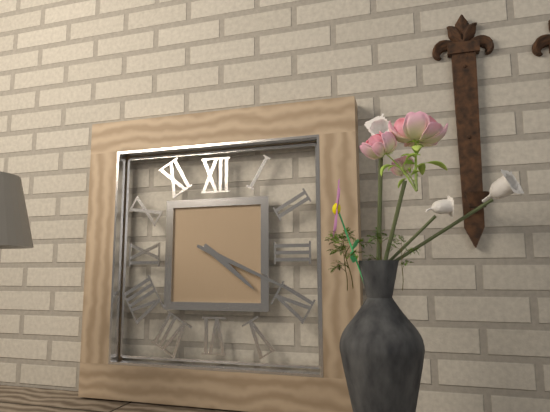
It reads 4h19
